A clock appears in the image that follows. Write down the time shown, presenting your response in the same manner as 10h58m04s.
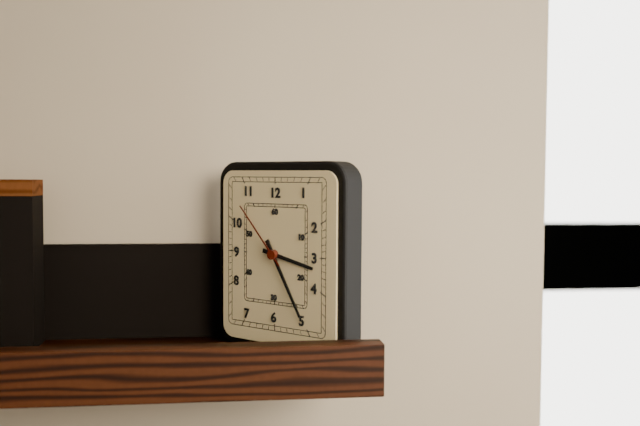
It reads 3h25m53s
